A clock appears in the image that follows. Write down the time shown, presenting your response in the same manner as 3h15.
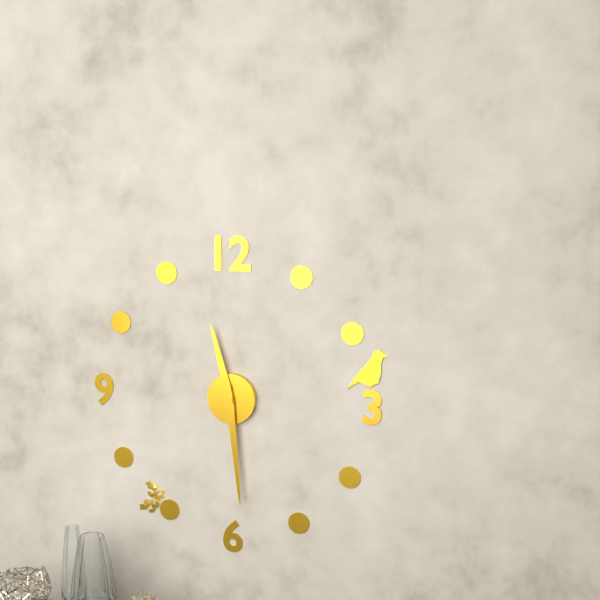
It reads 11h29
